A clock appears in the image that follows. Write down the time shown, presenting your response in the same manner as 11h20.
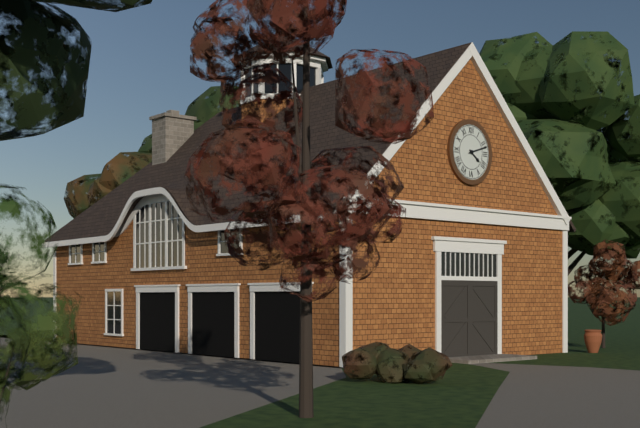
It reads 4h12
